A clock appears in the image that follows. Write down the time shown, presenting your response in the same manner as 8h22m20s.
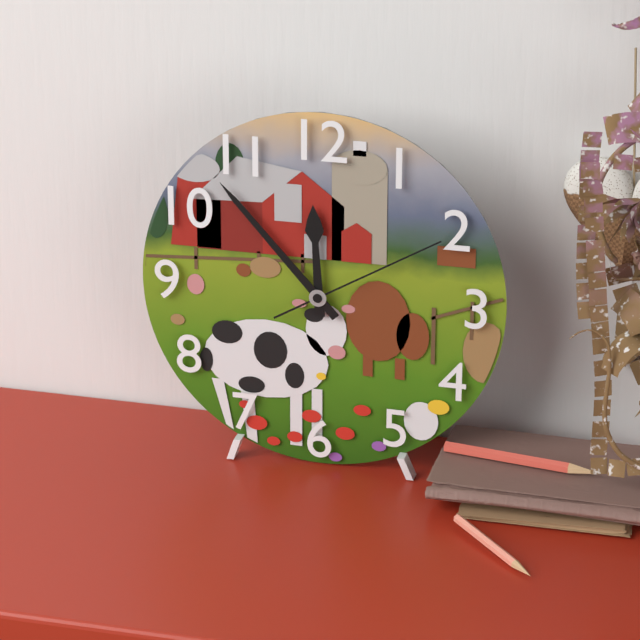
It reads 11h53m10s
